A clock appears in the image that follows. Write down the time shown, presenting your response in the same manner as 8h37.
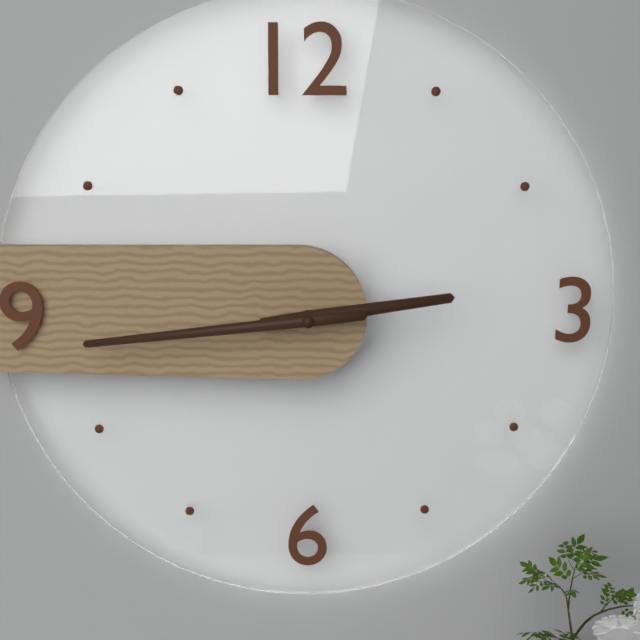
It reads 2h44
